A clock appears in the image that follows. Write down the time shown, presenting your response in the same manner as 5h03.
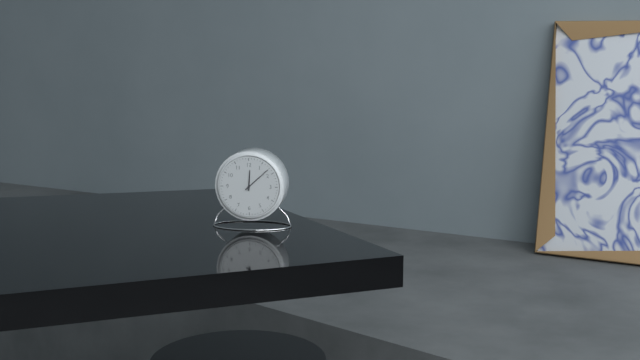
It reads 12h08
